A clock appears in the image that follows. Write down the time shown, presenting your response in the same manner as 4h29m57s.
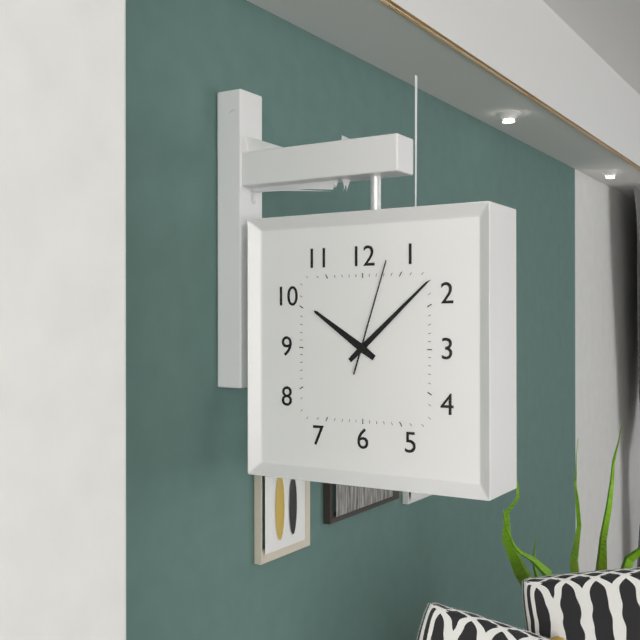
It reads 10h08m03s
